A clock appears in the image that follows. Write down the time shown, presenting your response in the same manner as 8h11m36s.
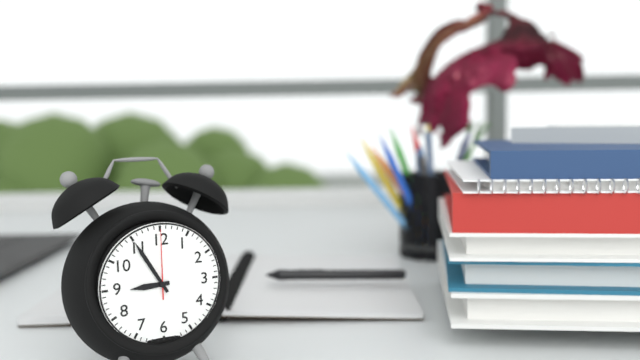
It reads 8h55m00s
